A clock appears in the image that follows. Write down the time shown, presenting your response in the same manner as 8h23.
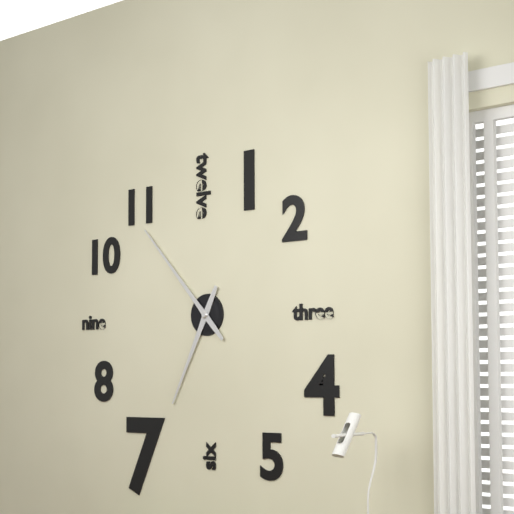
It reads 6h53
